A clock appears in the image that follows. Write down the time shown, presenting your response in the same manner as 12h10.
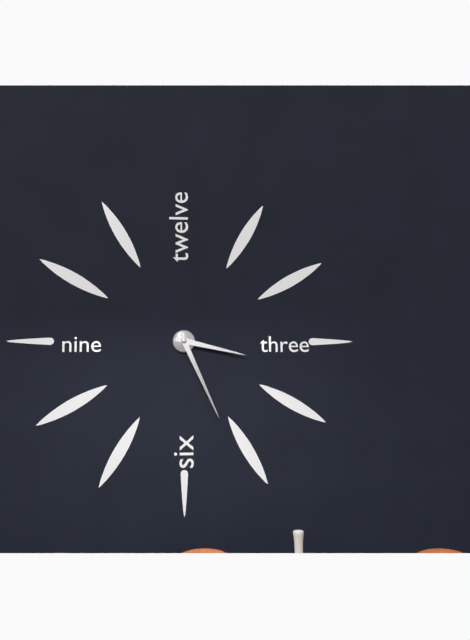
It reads 3h26
